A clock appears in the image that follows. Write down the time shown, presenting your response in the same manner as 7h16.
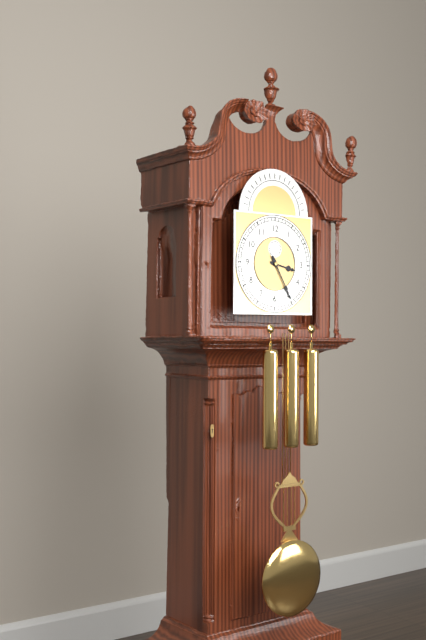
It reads 3h25
